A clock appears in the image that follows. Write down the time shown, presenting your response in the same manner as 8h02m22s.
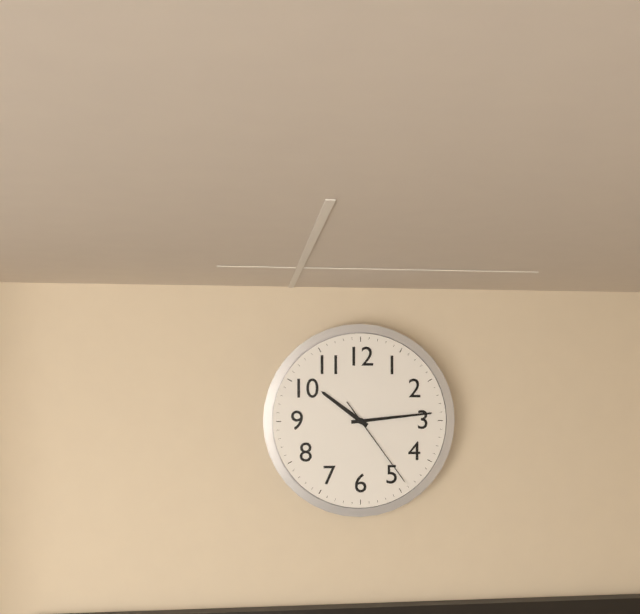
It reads 10h14m24s
